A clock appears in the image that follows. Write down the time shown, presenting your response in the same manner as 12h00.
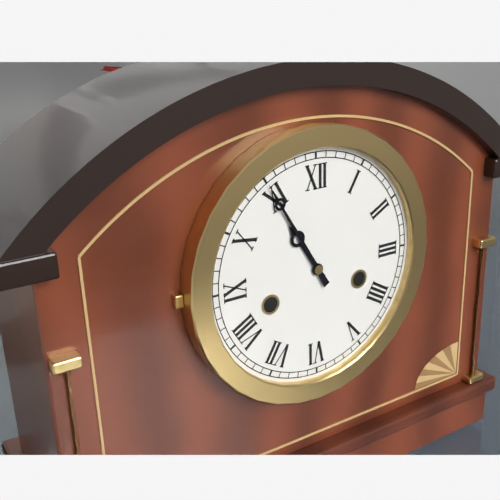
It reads 10h55
